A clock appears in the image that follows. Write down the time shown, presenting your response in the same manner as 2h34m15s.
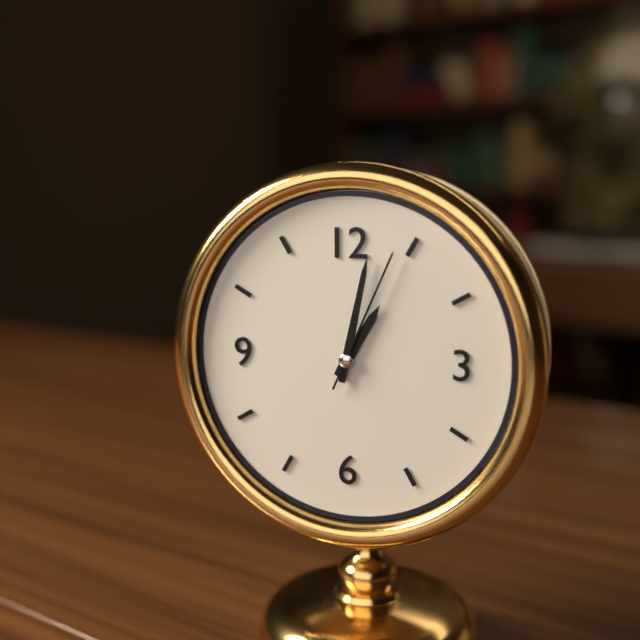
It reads 1h02m04s
